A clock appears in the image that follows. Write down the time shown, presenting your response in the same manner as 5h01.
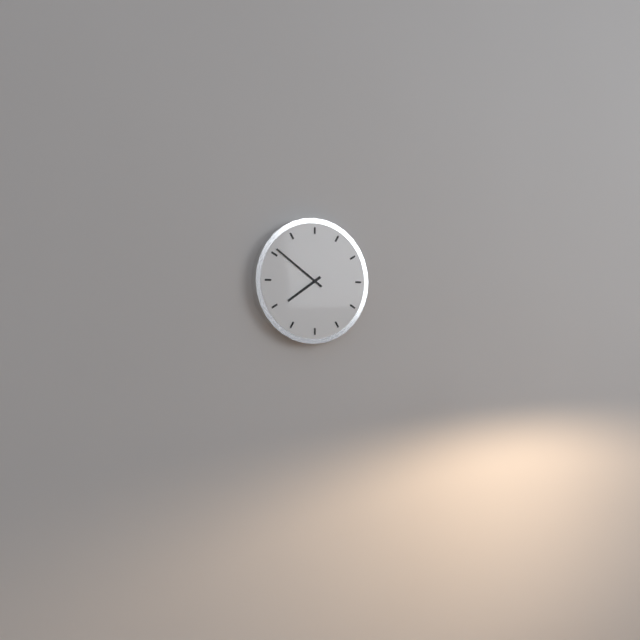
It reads 7h51
